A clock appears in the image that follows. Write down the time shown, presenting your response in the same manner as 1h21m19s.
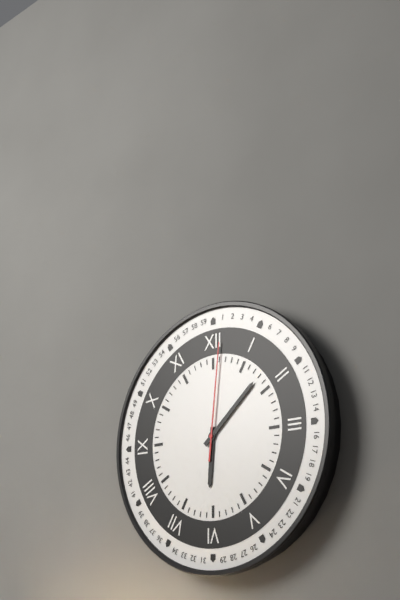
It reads 6h08m01s
